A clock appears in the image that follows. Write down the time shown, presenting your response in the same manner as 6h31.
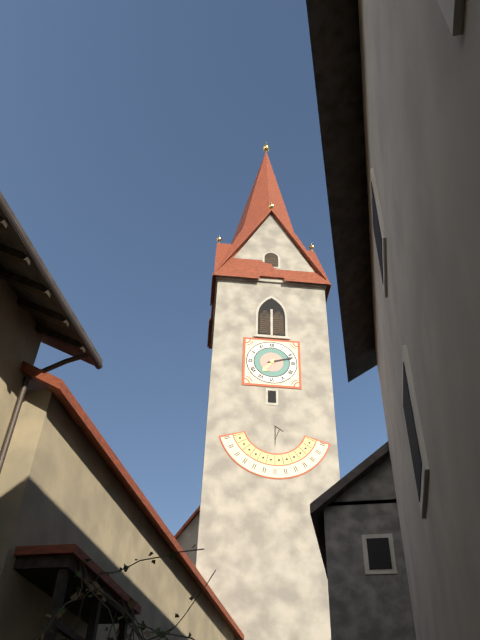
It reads 7h12
